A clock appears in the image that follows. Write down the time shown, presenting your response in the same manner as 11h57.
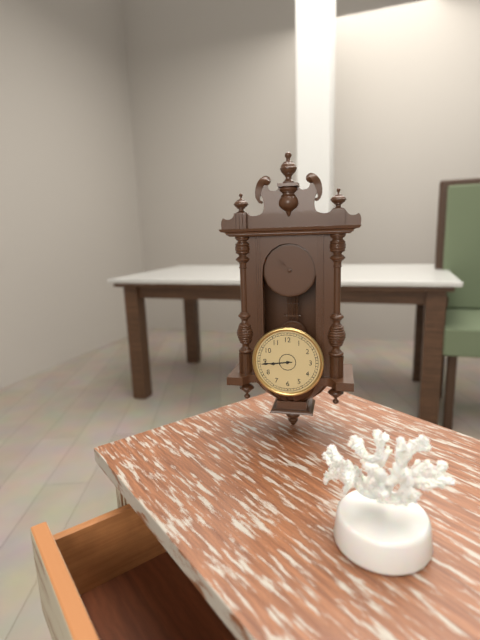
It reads 8h44
